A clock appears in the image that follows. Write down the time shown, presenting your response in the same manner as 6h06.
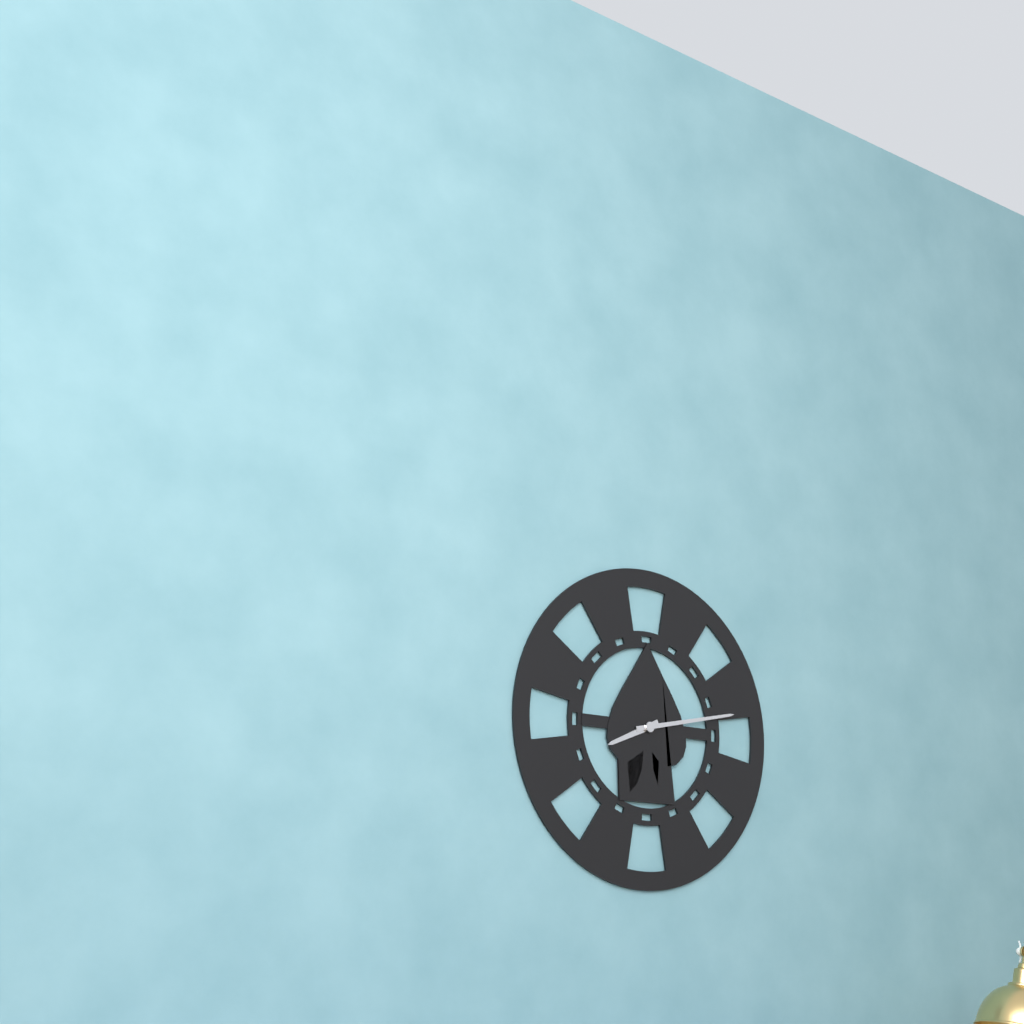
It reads 8h13
